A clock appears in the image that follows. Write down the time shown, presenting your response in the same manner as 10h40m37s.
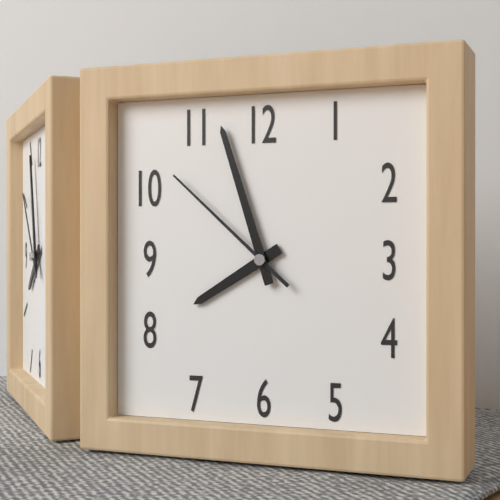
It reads 7h57m52s
